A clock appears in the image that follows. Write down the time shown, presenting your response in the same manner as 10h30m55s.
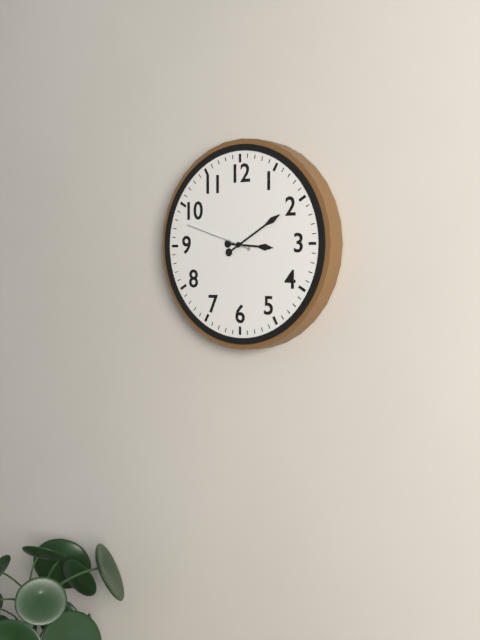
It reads 3h10m48s
